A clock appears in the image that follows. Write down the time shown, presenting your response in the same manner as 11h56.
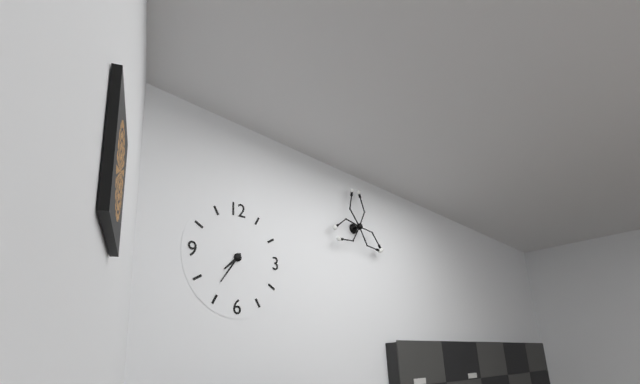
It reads 7h36
